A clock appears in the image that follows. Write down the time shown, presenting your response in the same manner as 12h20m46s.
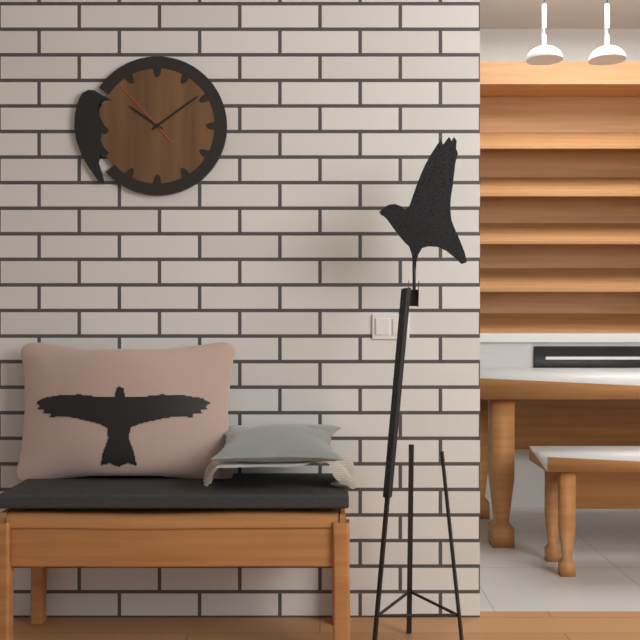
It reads 10h09m53s
